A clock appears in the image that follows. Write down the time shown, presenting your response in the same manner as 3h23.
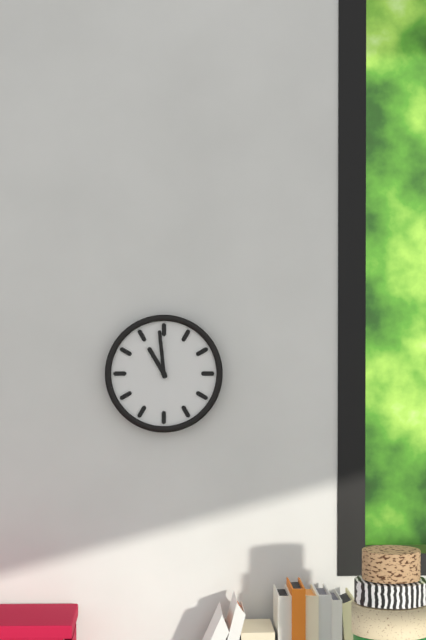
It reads 10h59
